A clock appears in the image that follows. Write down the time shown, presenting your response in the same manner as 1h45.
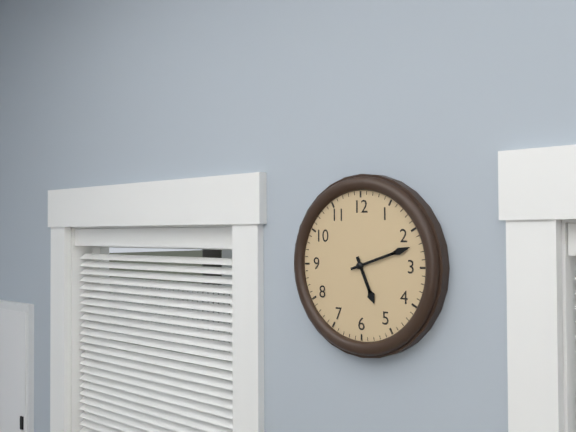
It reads 5h12
